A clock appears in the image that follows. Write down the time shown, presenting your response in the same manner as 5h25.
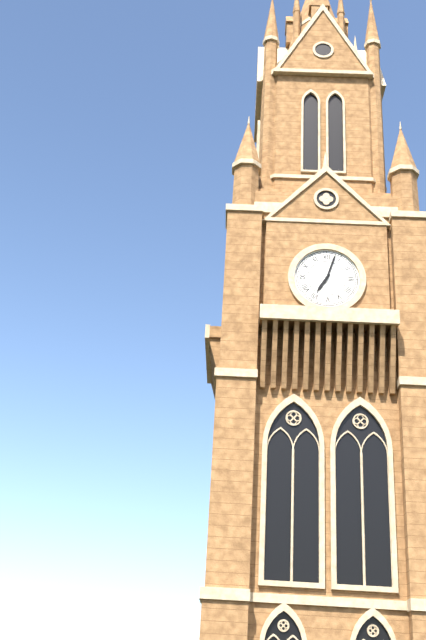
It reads 7h03
